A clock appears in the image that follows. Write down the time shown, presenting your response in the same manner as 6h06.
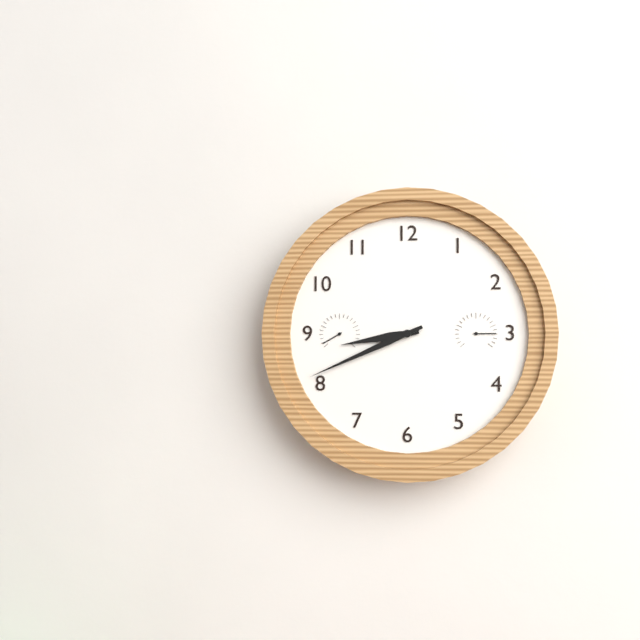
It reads 8h41
